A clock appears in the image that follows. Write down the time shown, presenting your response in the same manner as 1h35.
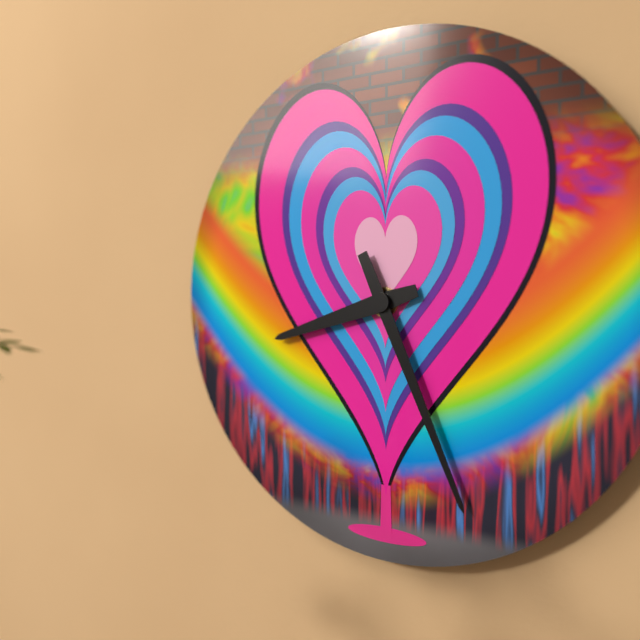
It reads 8h26
